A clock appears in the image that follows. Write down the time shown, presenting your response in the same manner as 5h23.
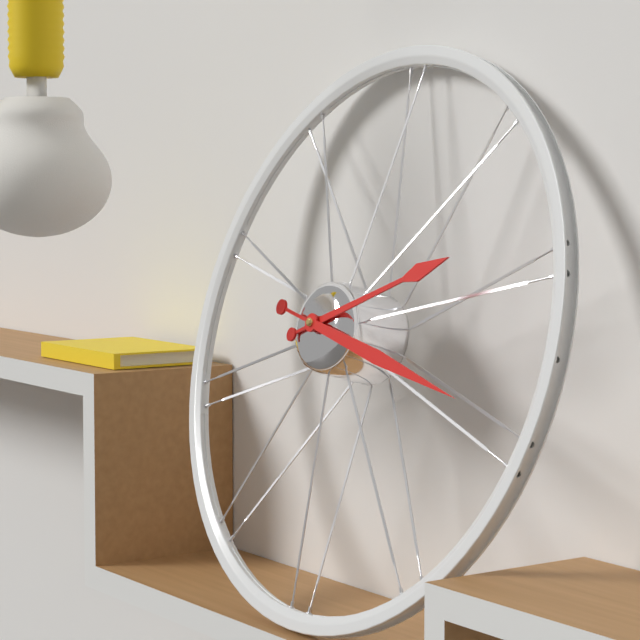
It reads 2h17
